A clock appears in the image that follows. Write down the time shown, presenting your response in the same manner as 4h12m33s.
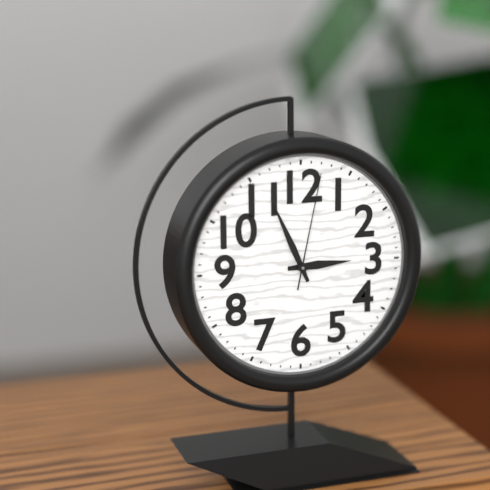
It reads 2h56m02s
